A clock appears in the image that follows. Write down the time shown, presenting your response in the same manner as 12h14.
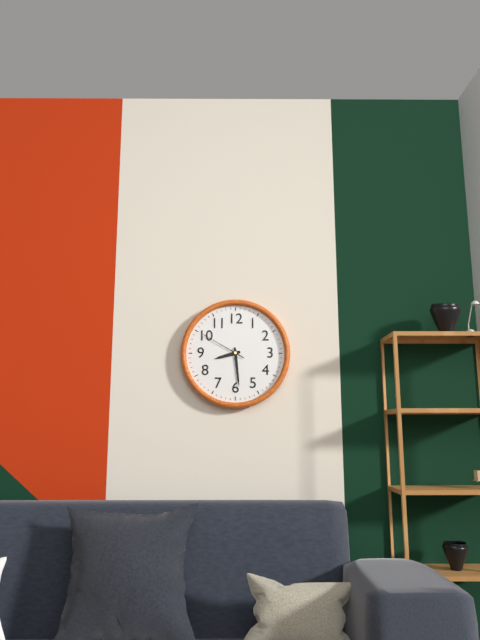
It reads 8h29
